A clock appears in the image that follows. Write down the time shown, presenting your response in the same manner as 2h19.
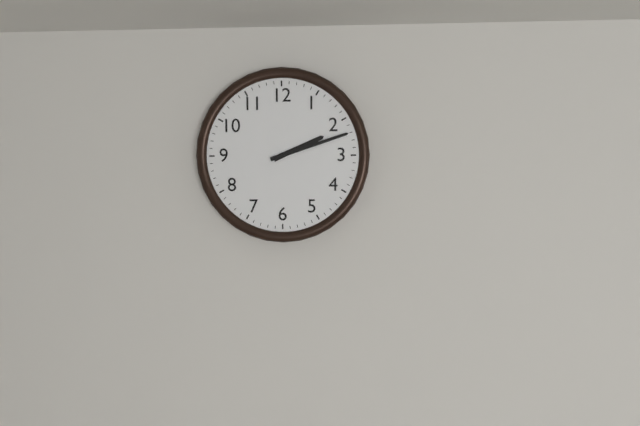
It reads 2h12
